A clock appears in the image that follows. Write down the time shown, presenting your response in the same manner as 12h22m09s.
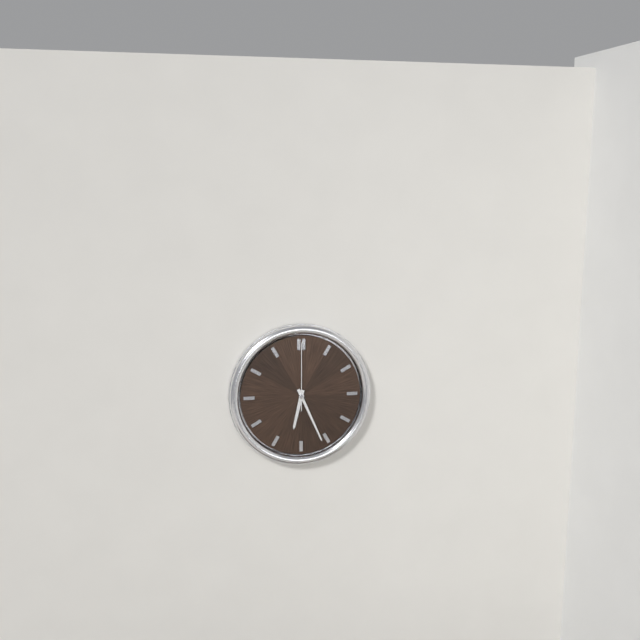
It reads 6h26m00s
